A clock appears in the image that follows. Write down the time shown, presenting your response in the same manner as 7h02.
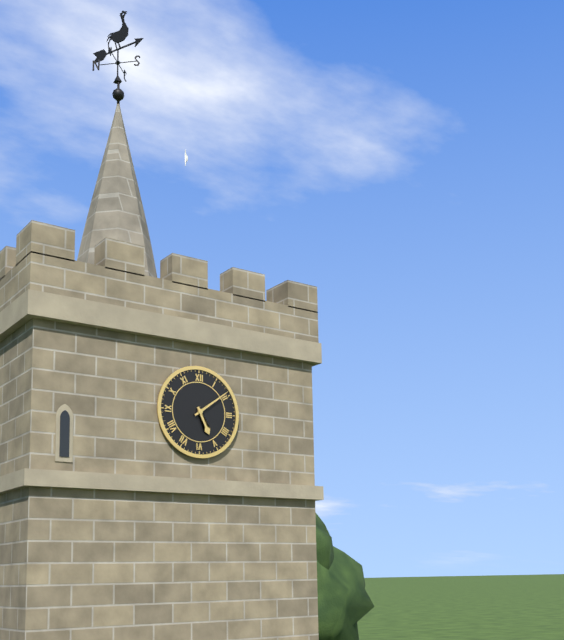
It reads 5h09
